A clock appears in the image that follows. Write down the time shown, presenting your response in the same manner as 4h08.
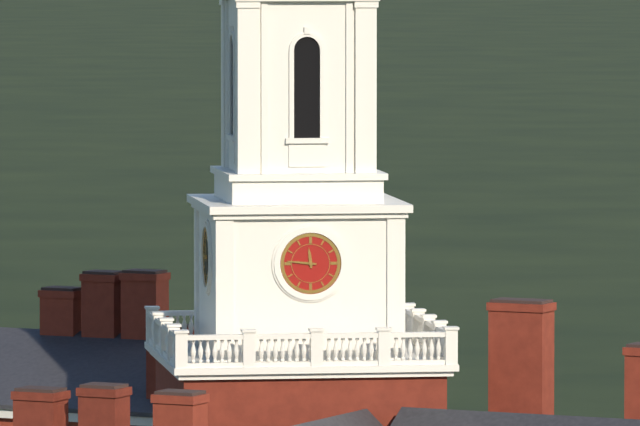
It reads 11h46
